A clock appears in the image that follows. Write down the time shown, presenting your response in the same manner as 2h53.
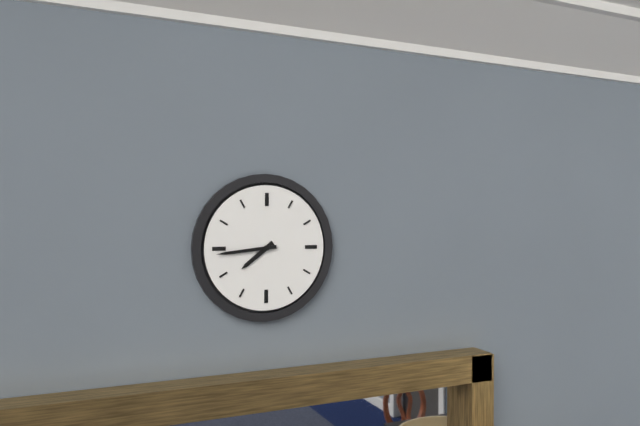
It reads 7h44
